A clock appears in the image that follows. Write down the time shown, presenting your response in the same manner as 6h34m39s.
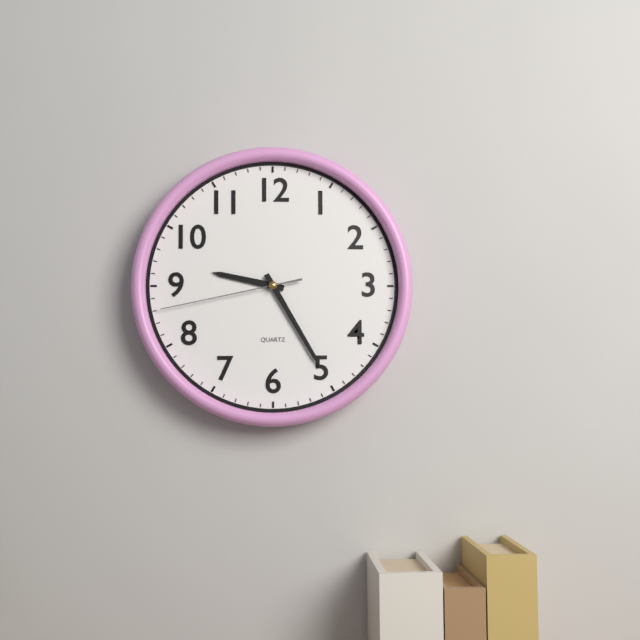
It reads 9h25m43s
